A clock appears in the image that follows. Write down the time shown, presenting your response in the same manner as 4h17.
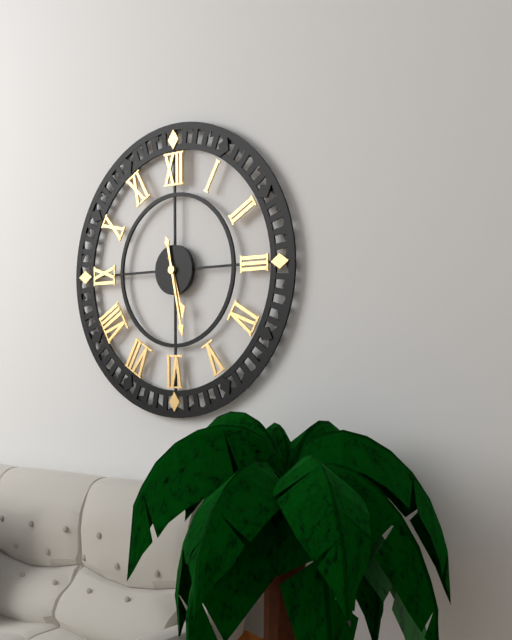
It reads 5h28
